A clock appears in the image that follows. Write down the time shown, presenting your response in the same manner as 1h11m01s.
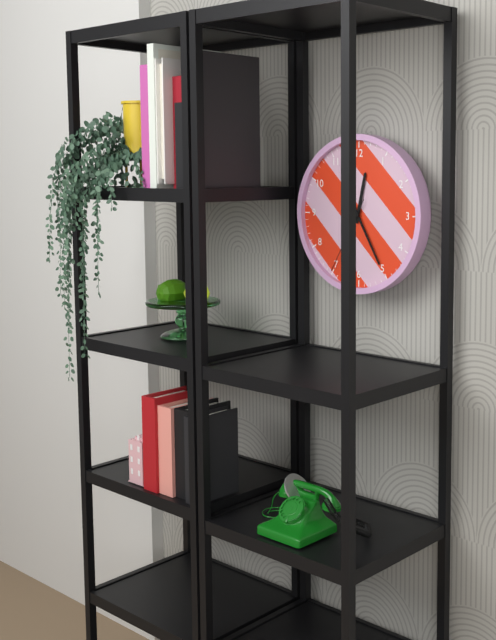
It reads 12h25m35s
